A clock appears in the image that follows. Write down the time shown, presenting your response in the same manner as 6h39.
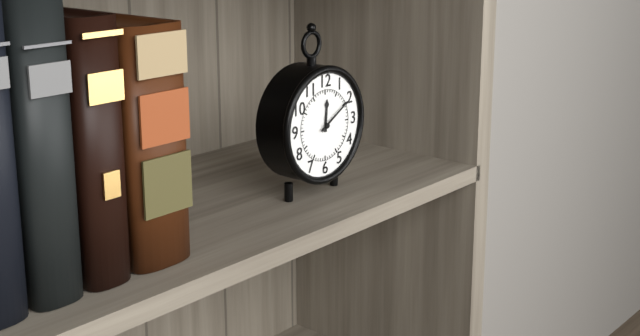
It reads 12h10
